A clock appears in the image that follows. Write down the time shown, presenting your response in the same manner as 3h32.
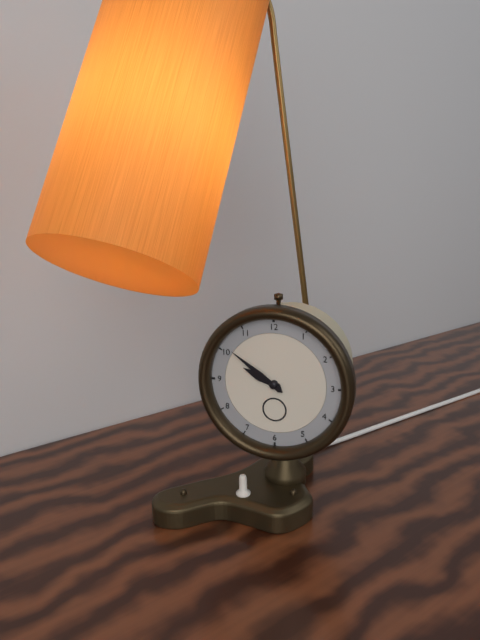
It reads 9h51
